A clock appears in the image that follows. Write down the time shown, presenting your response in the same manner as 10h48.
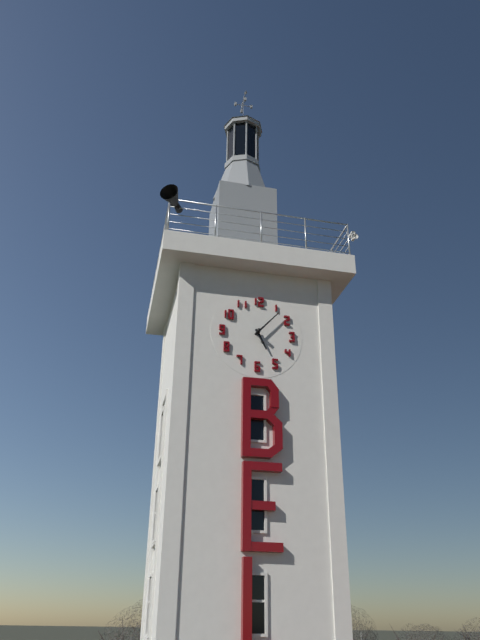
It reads 5h07
